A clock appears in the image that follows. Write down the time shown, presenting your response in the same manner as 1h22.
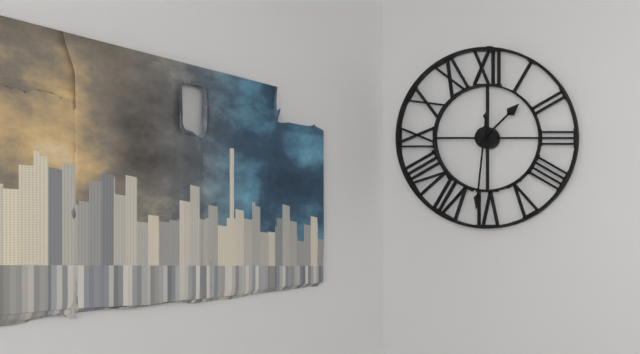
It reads 1h31
